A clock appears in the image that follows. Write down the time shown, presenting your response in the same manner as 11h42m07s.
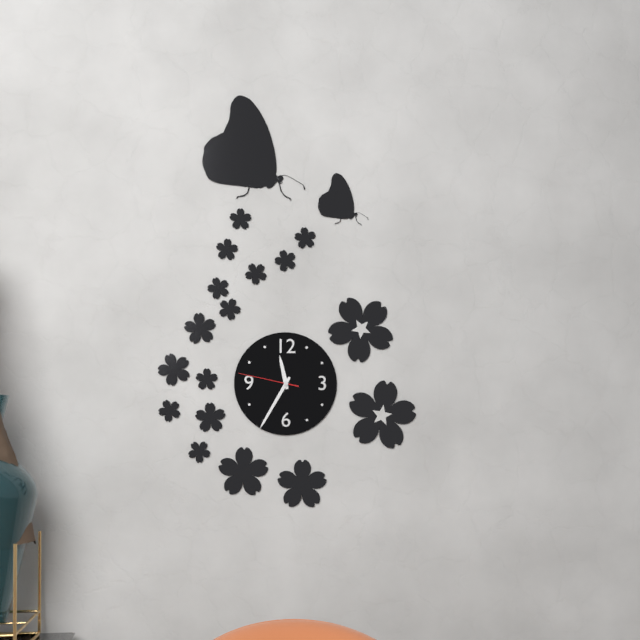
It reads 11h35m47s
